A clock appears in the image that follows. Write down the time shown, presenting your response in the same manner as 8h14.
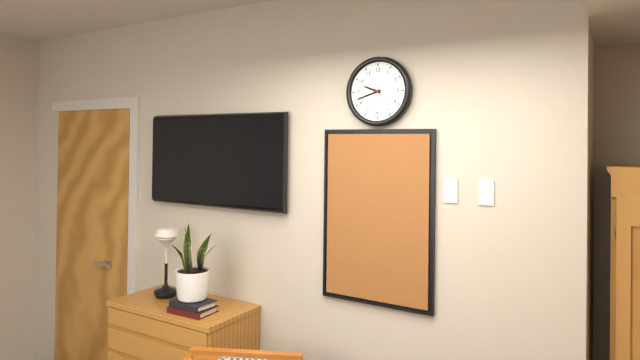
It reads 9h42
